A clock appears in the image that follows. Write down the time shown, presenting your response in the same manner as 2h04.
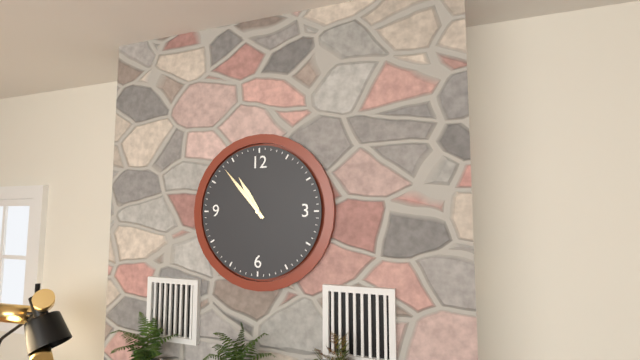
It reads 10h53
